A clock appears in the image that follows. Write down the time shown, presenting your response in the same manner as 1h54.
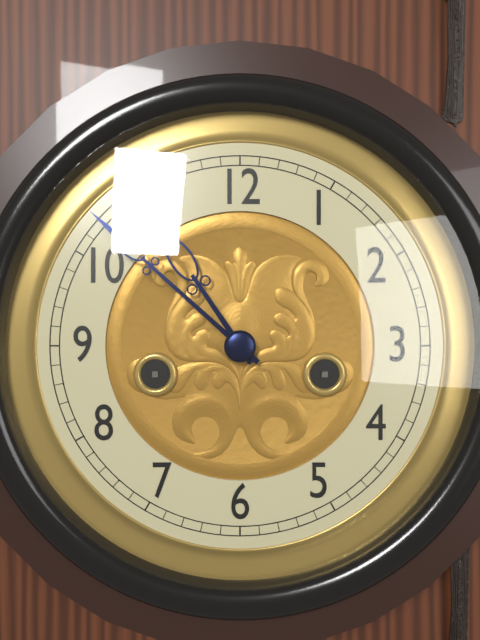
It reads 10h52
